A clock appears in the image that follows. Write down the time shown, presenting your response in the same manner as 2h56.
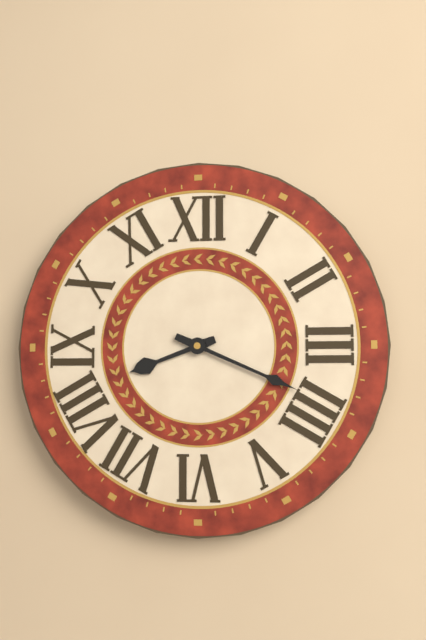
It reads 8h19
